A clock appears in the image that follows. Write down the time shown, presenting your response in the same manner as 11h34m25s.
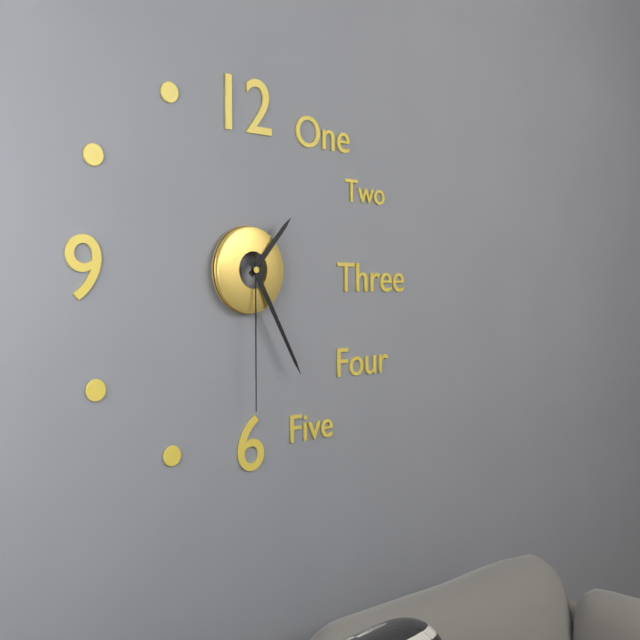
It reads 1h25m30s
